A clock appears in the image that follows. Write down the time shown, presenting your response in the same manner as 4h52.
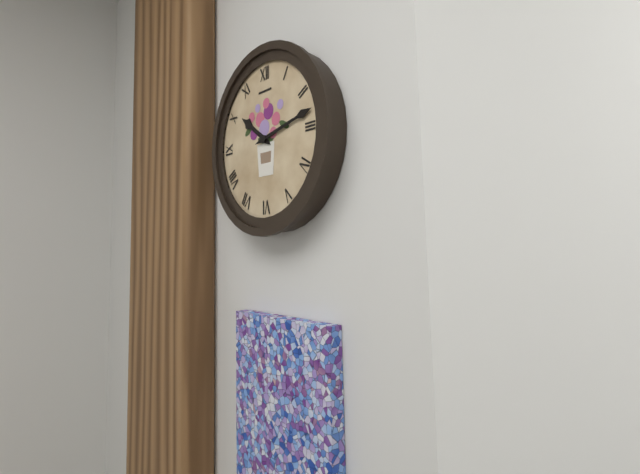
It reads 10h13
